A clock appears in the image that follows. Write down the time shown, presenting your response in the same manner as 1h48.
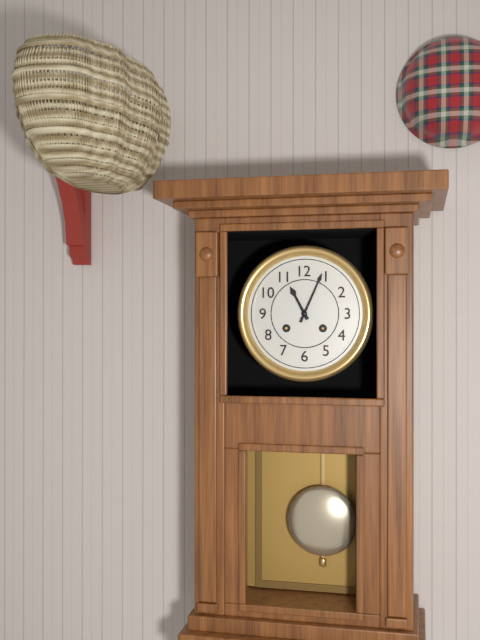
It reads 11h04
